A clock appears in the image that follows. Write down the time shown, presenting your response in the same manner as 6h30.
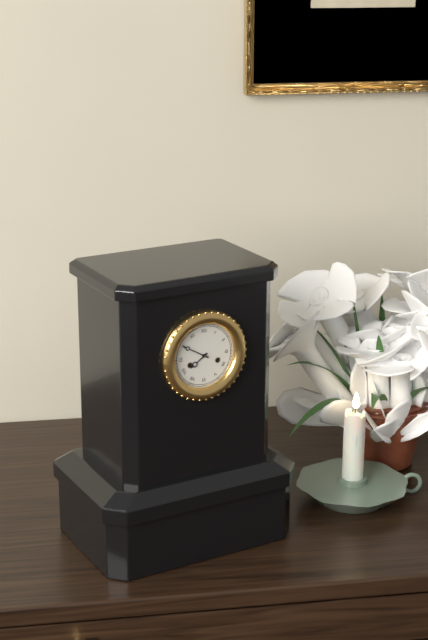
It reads 7h50
